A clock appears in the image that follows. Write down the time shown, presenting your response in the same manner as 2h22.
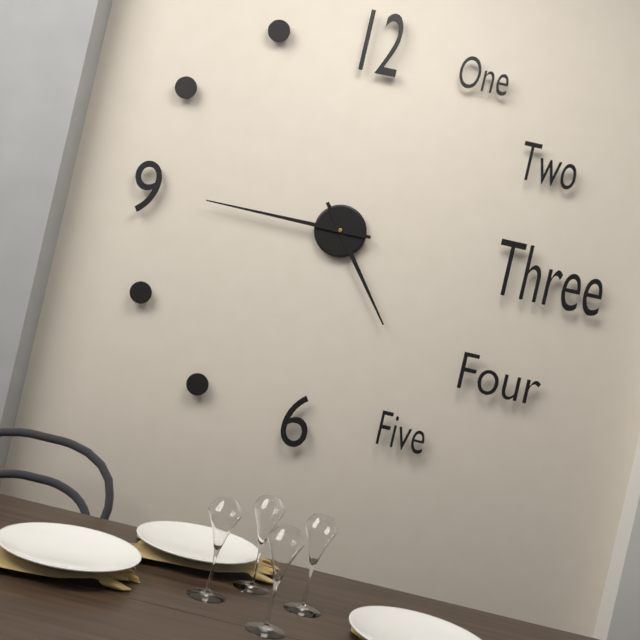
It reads 4h45
